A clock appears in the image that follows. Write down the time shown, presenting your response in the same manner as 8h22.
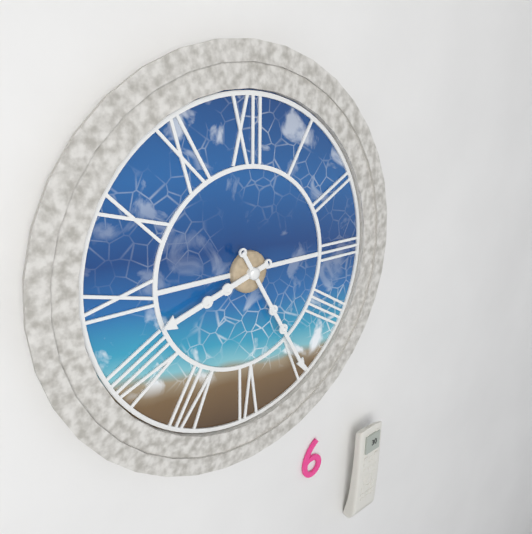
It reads 8h25
